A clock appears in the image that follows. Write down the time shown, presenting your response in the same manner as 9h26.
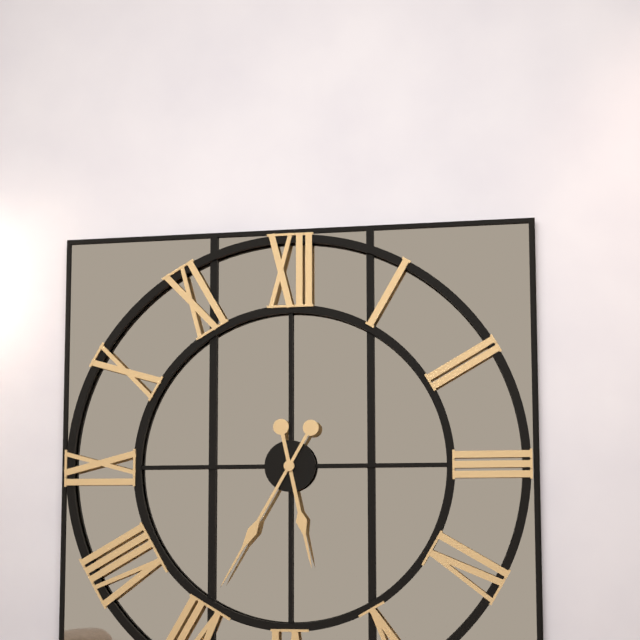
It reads 5h35
